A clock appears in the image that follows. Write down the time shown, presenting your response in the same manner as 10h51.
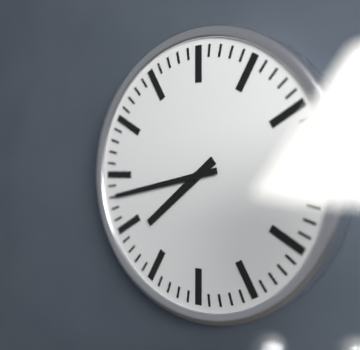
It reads 7h43
